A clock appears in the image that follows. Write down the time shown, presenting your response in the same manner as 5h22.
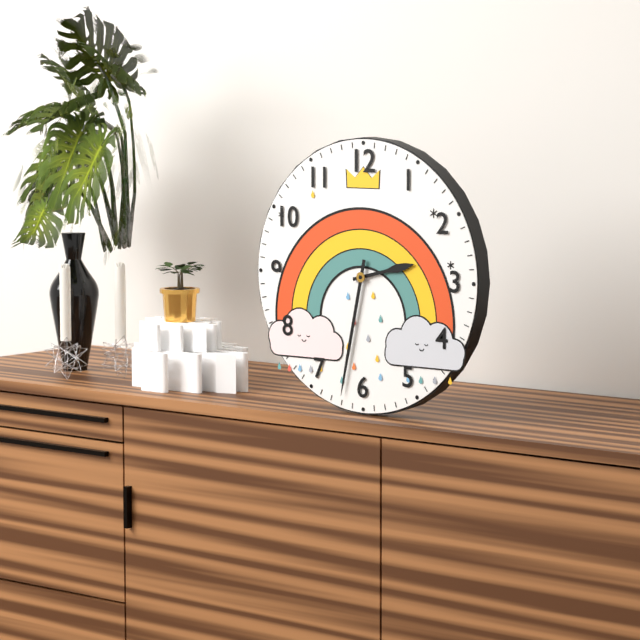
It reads 2h32
